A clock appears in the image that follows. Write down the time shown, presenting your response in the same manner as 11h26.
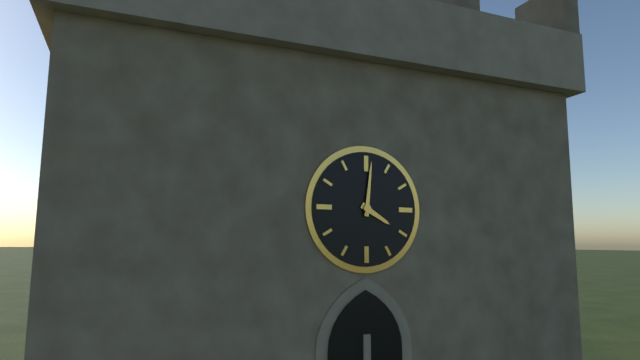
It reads 4h01
